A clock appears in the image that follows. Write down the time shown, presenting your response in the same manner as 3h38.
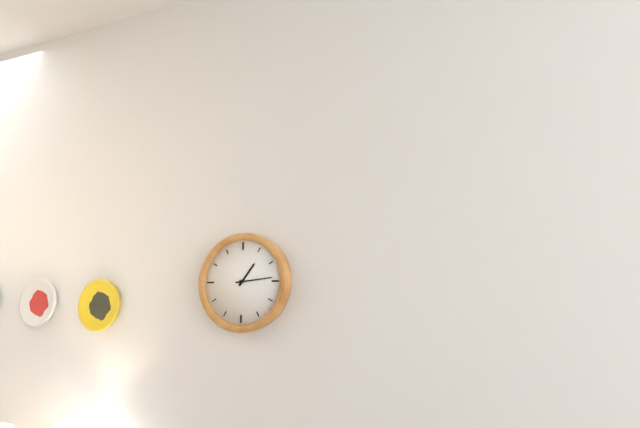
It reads 1h14
